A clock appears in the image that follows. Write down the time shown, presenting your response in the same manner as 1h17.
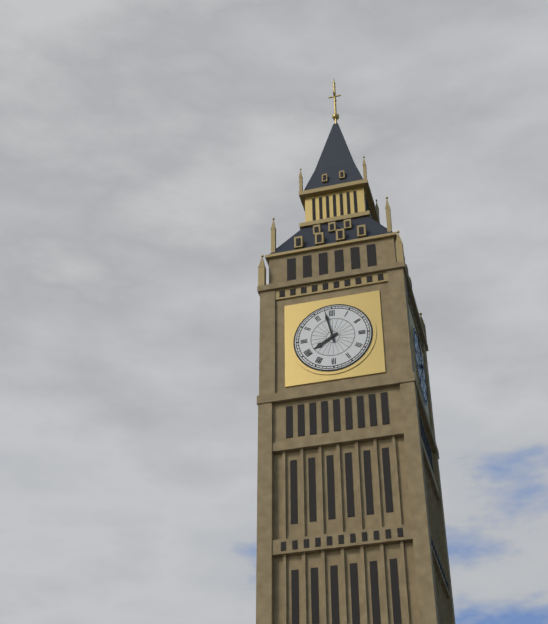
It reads 7h58
